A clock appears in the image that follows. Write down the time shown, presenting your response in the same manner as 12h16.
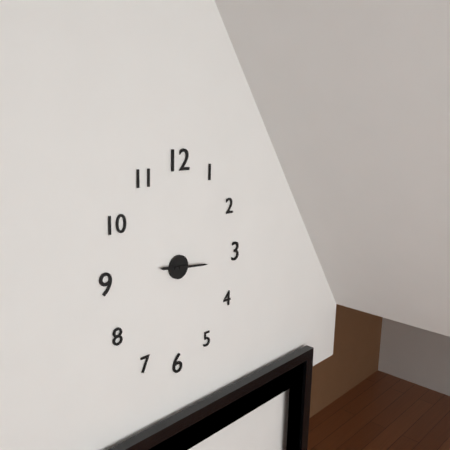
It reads 9h16
